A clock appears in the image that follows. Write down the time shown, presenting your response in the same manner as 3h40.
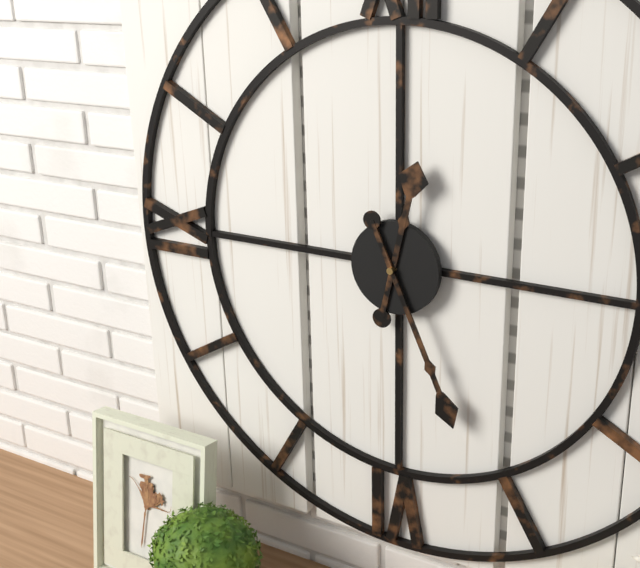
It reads 12h26
